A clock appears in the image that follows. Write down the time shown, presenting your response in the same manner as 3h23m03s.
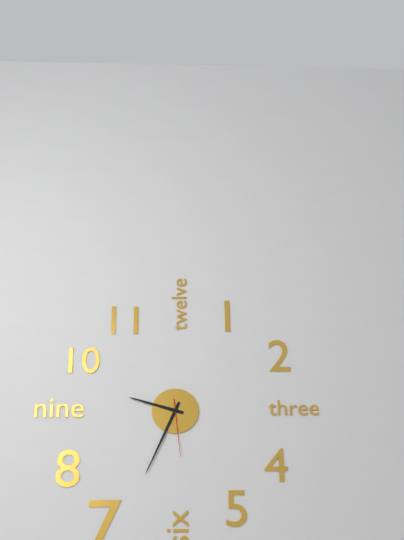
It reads 9h34m29s
